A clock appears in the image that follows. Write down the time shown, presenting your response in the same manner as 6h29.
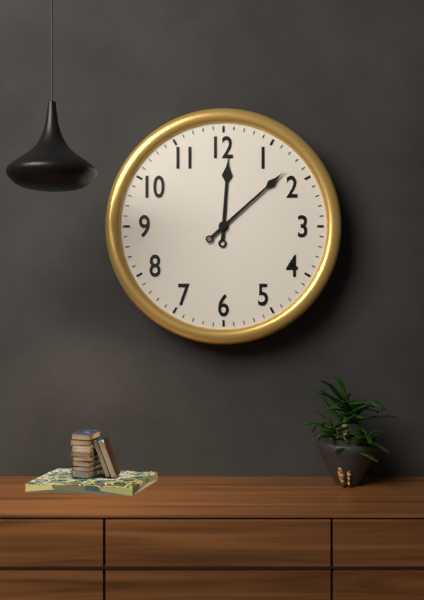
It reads 12h08
